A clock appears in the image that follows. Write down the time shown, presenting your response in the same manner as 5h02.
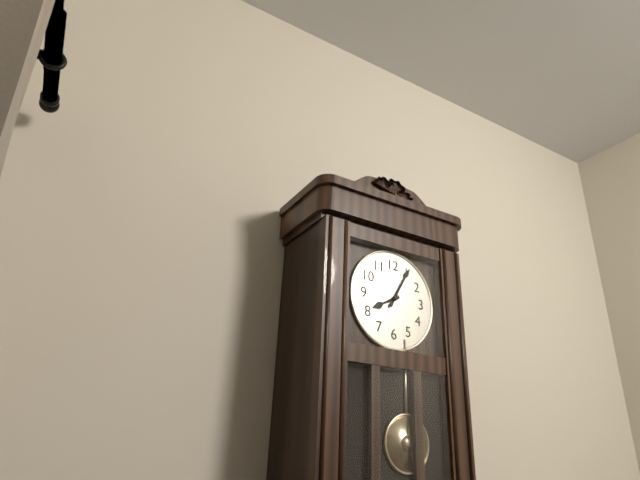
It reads 8h05
